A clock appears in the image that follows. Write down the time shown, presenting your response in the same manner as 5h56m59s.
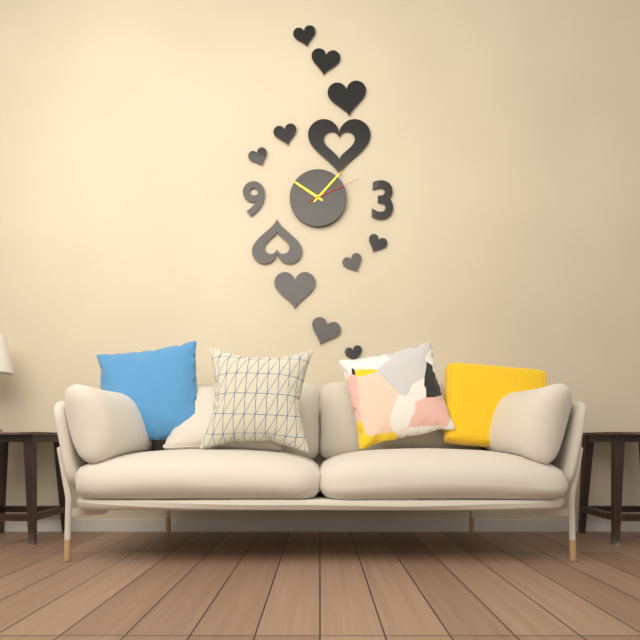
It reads 10h07m11s
